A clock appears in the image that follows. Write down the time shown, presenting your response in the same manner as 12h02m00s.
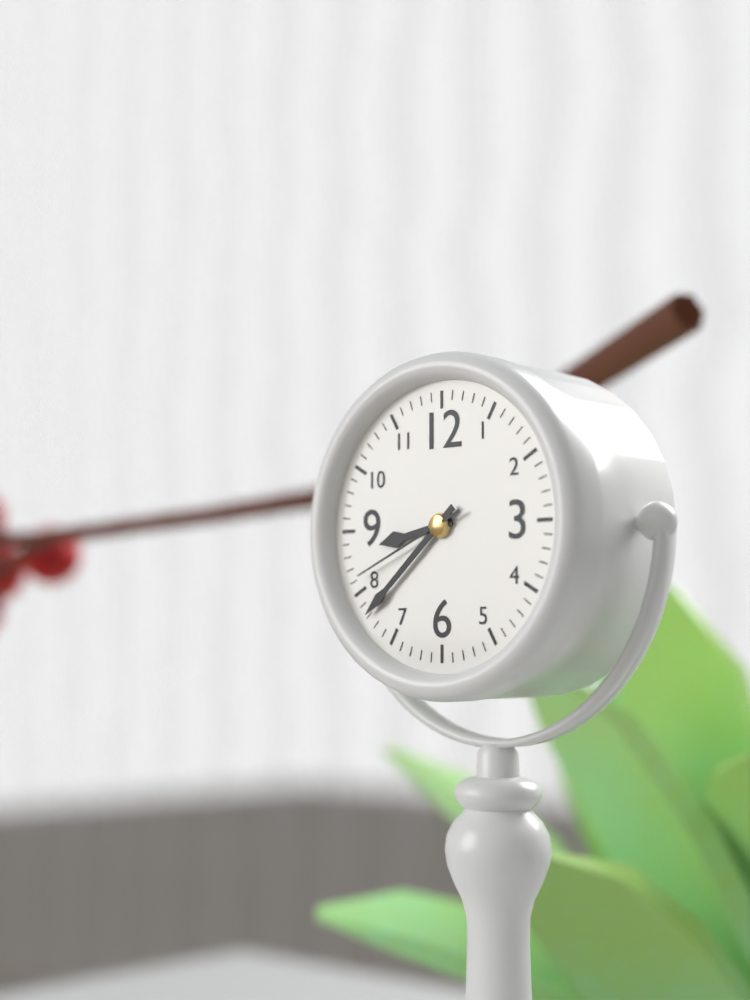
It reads 8h38m41s
